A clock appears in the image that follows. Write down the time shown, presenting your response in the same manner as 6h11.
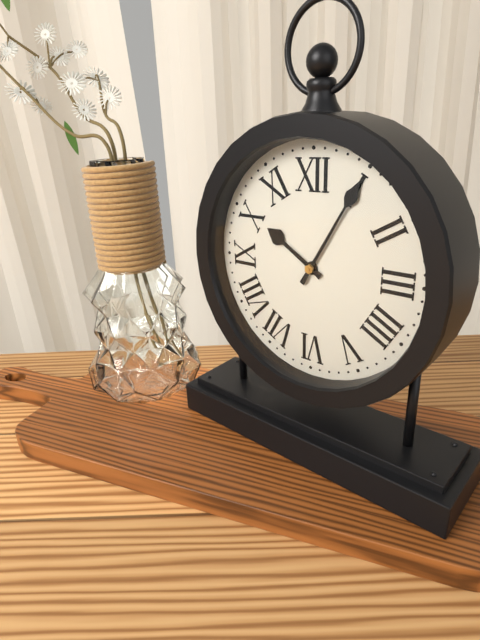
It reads 10h05
